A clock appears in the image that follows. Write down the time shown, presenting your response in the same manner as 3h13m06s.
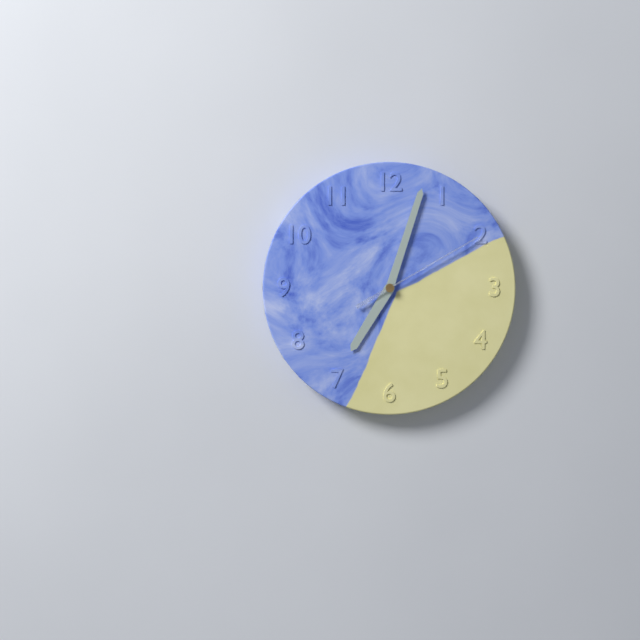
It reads 7h03m10s
